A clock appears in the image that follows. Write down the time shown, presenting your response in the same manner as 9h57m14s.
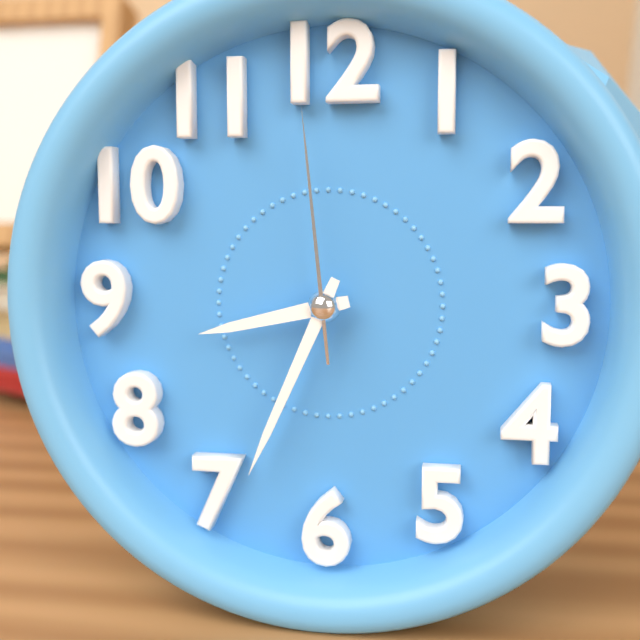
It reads 8h34m59s
